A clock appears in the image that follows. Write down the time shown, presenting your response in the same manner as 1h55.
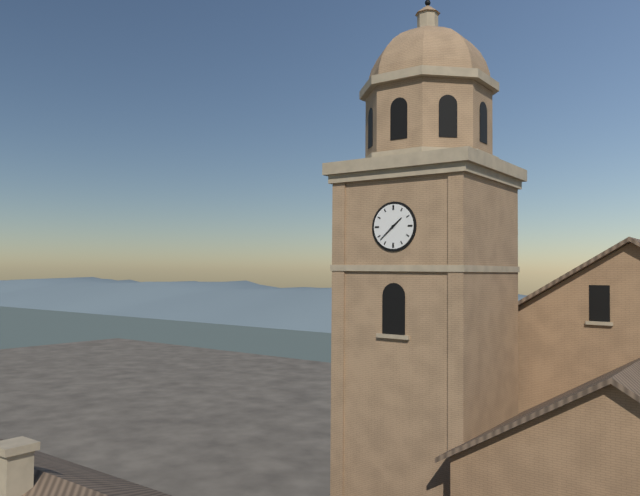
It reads 1h38
